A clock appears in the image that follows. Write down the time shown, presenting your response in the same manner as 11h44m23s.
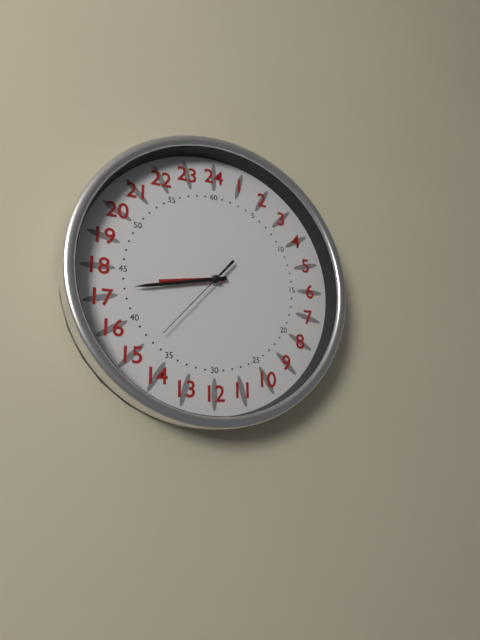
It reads 8h43m37s
